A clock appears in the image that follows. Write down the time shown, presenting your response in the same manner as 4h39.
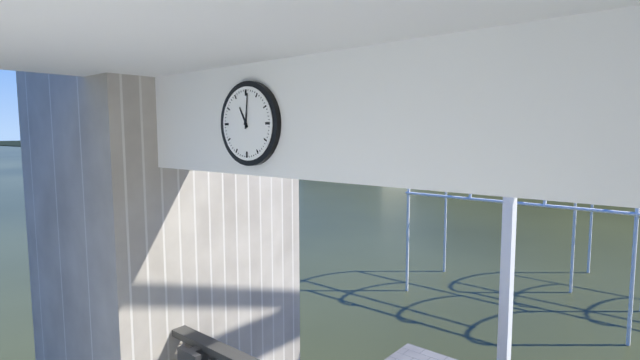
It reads 11h01
